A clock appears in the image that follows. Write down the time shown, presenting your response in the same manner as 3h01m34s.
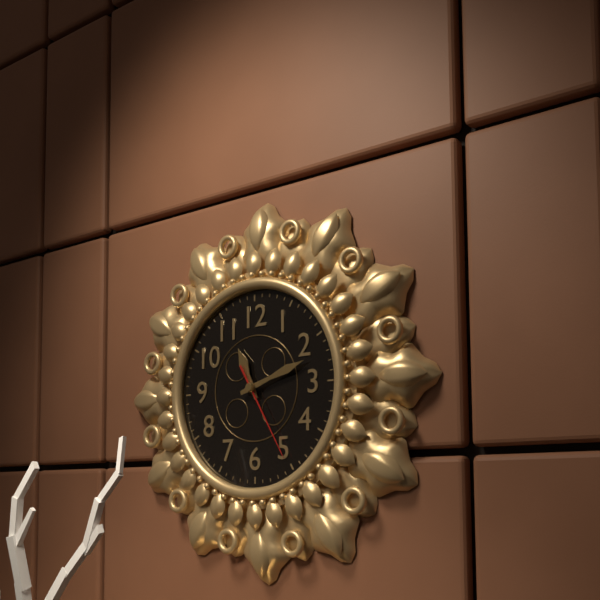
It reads 11h12m25s
